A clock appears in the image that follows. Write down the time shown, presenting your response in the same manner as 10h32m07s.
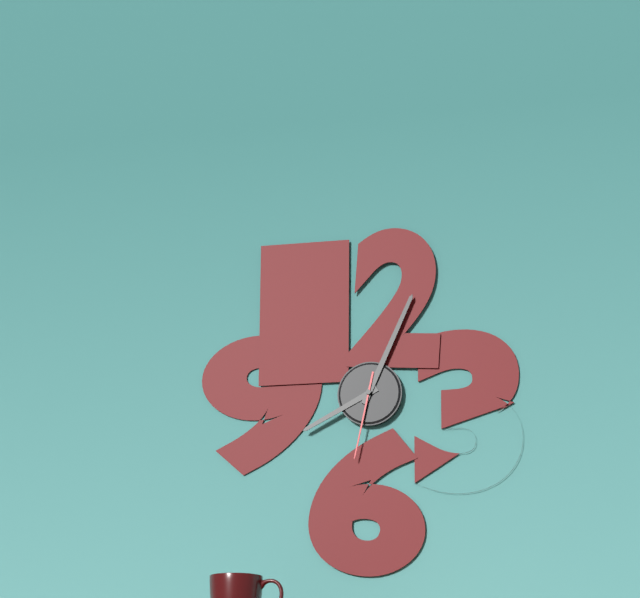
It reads 8h04m32s
